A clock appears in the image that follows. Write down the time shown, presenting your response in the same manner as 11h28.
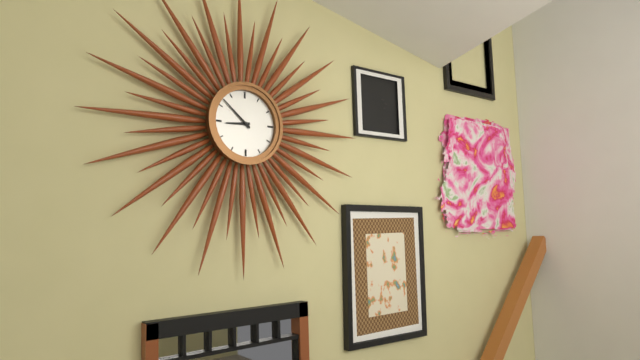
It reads 8h52
